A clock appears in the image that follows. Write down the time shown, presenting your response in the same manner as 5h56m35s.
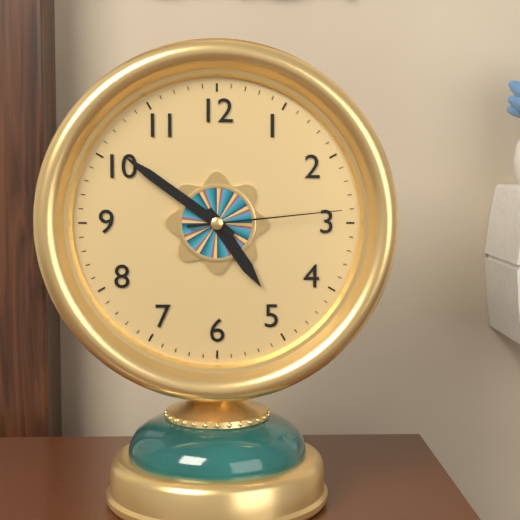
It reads 4h51m14s
